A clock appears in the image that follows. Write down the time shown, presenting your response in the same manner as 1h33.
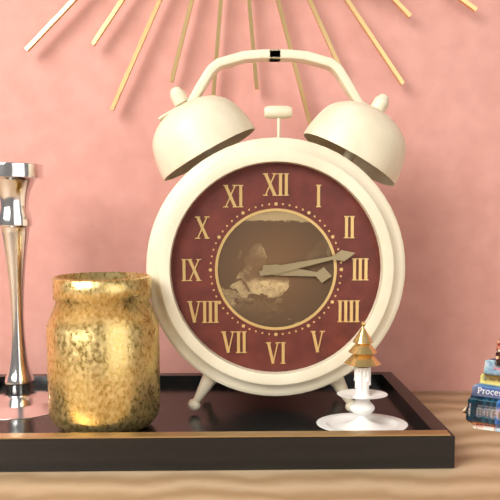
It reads 3h13
